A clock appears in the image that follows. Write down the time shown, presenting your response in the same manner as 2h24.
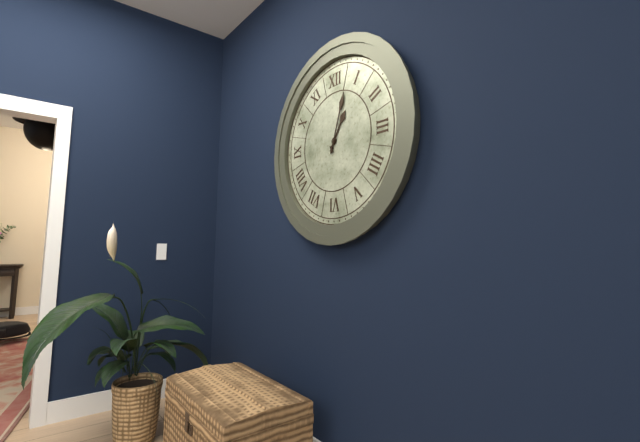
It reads 1h03
